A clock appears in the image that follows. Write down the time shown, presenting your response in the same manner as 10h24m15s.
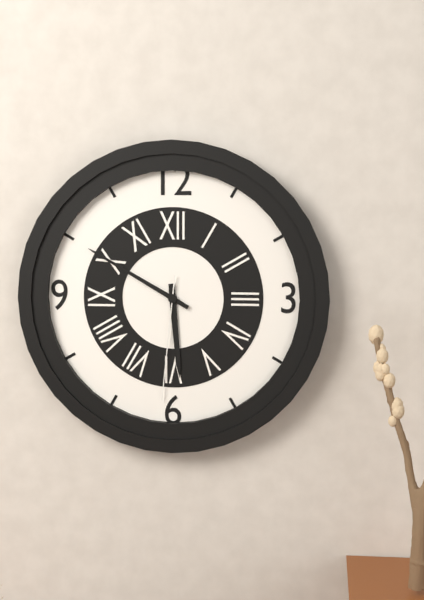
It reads 5h50m31s
